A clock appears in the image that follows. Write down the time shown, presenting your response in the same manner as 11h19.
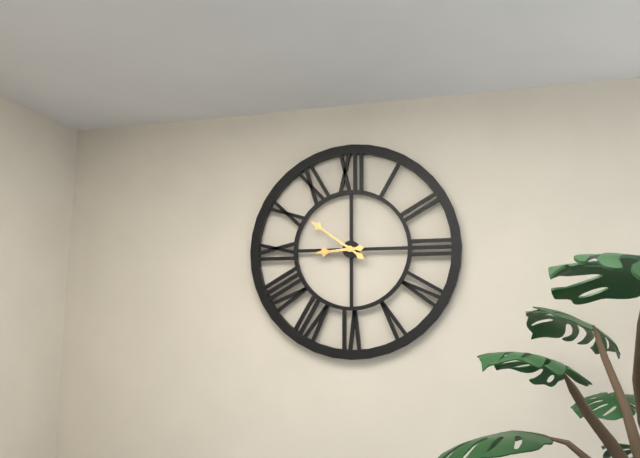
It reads 8h51
